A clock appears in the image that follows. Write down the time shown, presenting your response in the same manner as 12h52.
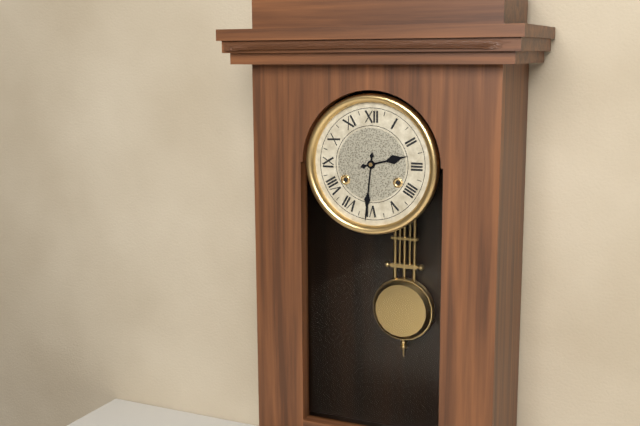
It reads 2h31
